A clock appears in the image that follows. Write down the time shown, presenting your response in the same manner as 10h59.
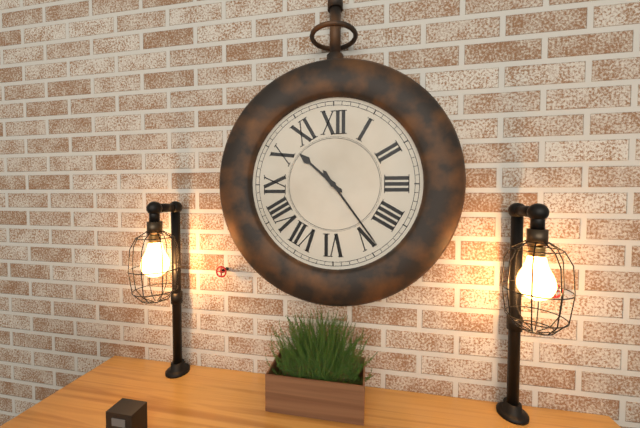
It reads 10h24
